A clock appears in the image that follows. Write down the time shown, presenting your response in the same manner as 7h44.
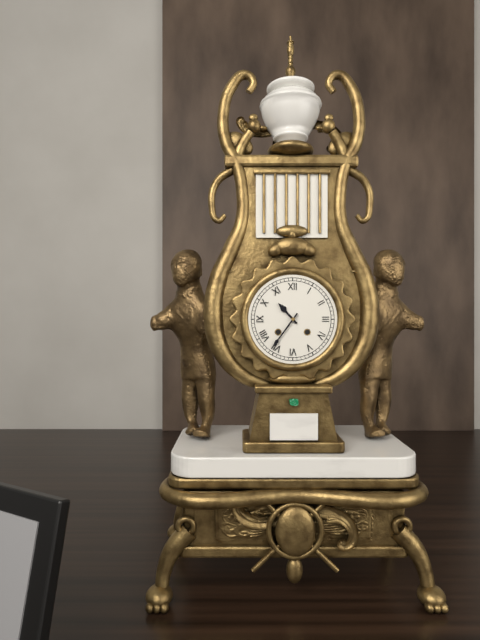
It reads 10h36
